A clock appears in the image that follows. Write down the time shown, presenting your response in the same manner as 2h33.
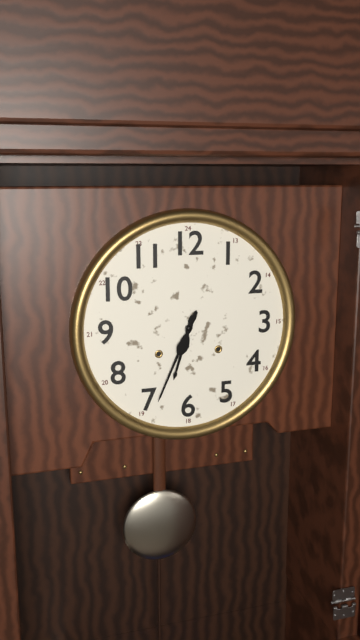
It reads 6h34
